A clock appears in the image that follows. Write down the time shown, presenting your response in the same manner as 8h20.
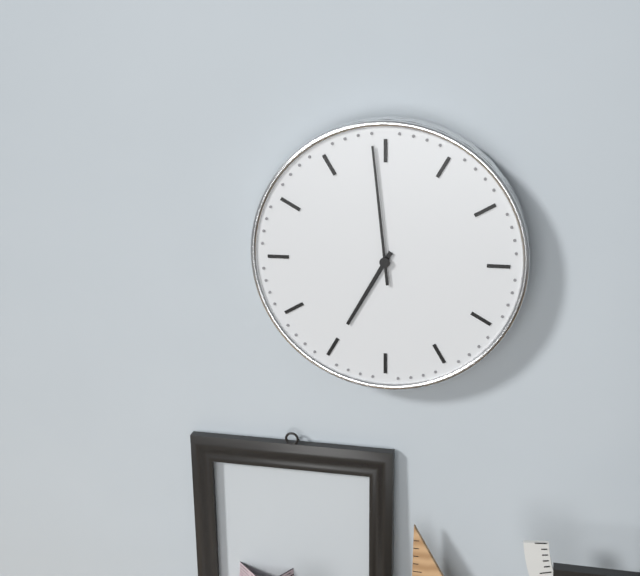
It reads 6h59
